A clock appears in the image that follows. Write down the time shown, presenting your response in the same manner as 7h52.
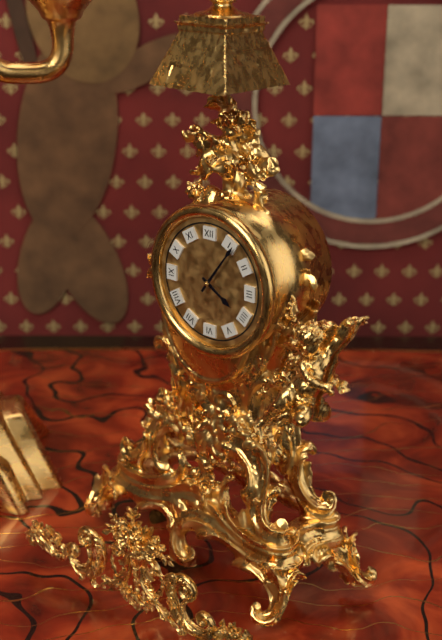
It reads 4h06
